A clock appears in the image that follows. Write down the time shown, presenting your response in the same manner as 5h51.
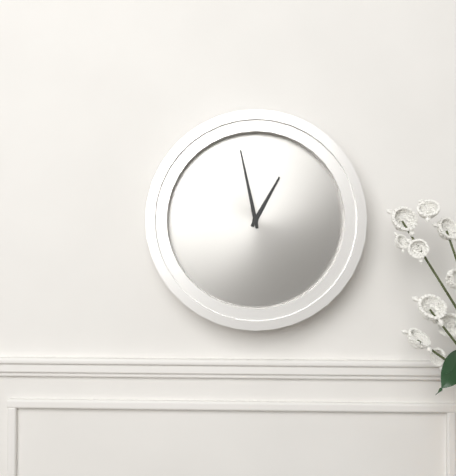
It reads 12h58
